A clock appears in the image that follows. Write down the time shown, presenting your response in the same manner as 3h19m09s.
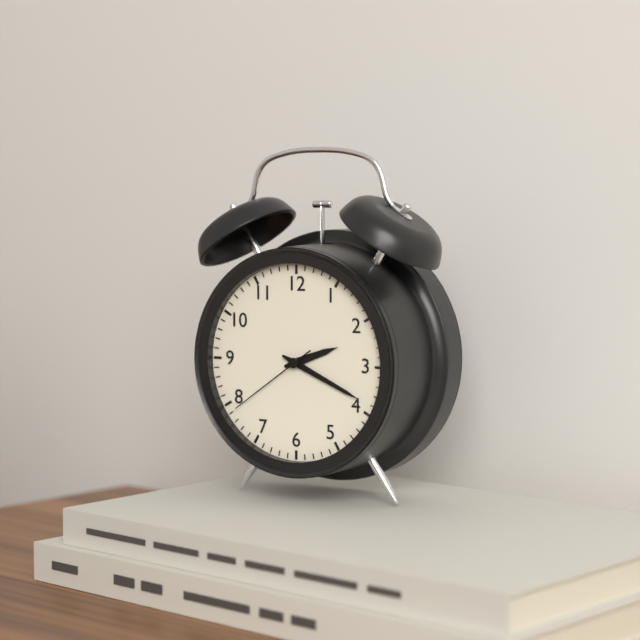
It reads 2h19m39s
